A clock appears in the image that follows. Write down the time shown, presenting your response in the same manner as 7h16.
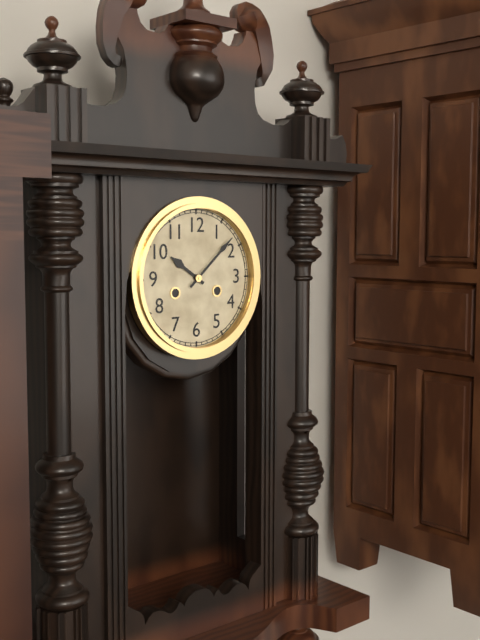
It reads 10h08
